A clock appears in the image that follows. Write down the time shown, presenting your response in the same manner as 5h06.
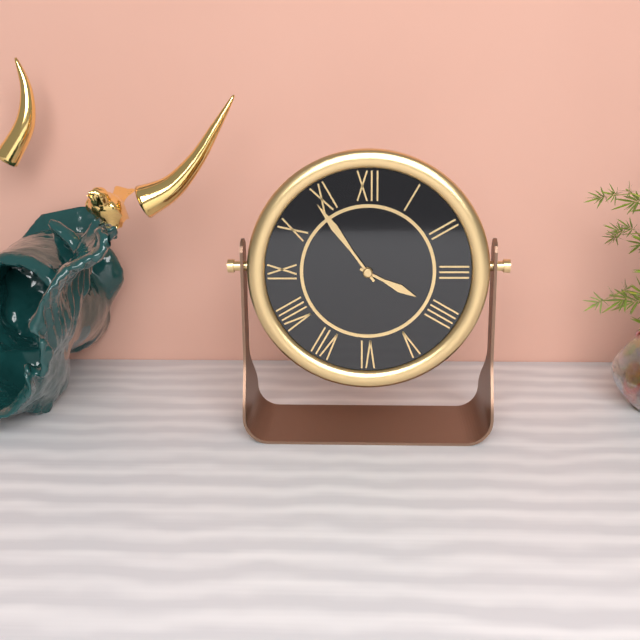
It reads 3h54
